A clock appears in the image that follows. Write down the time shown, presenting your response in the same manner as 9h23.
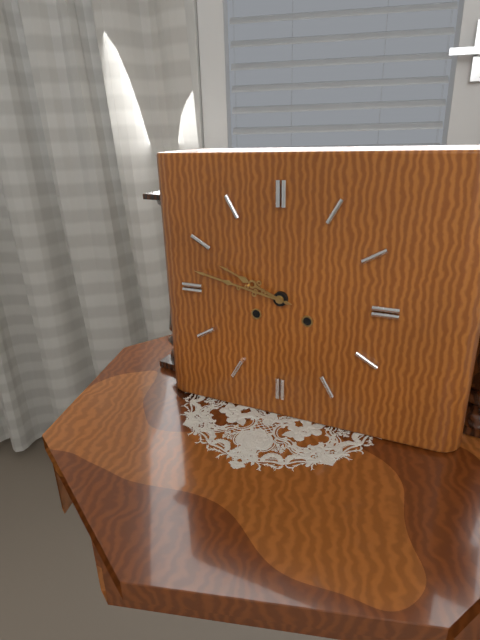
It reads 9h47
